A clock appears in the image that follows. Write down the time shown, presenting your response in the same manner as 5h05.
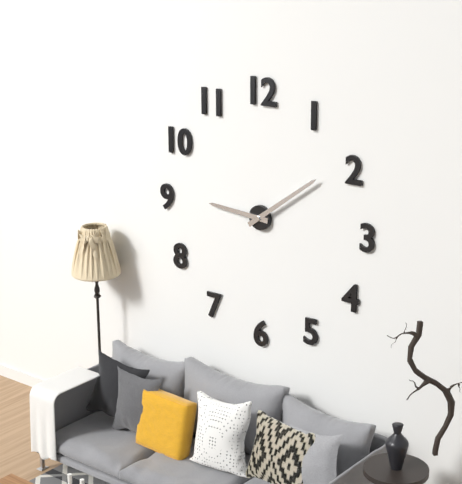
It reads 9h09
